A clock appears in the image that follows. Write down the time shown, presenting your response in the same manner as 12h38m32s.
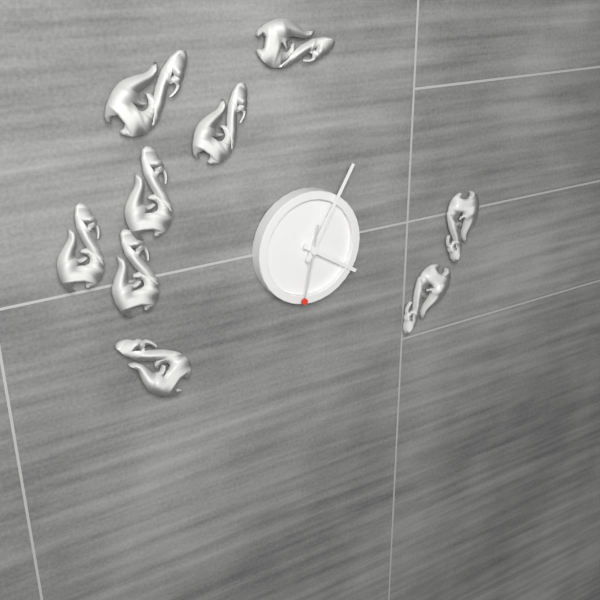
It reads 4h05m32s
